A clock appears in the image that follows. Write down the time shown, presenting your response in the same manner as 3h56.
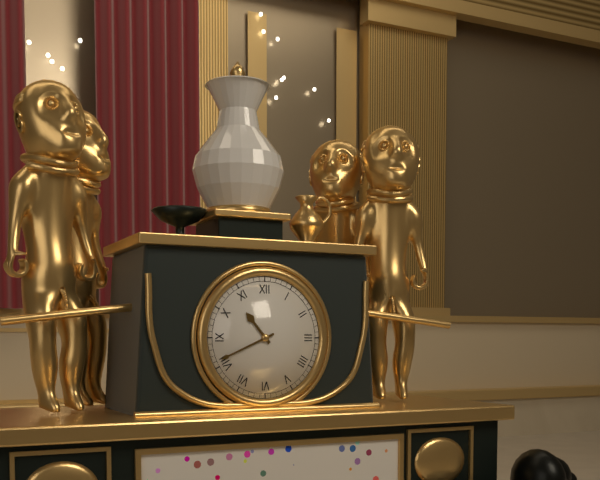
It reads 10h41
